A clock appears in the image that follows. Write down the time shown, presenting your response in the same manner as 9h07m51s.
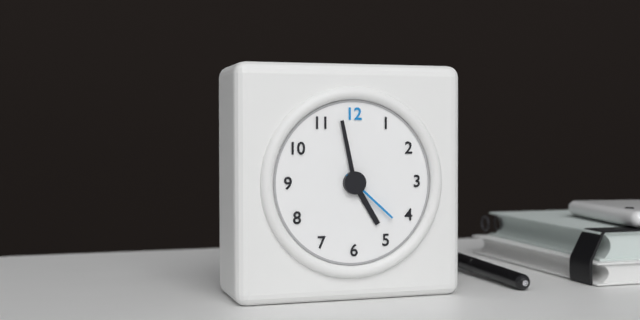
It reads 4h58m22s
